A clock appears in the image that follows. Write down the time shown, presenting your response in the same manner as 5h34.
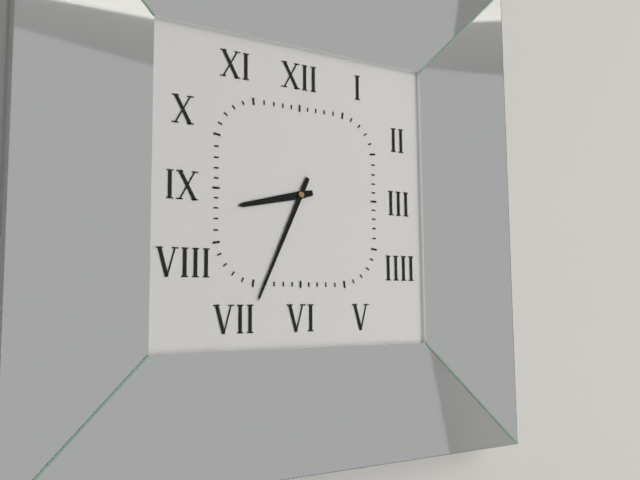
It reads 8h34
